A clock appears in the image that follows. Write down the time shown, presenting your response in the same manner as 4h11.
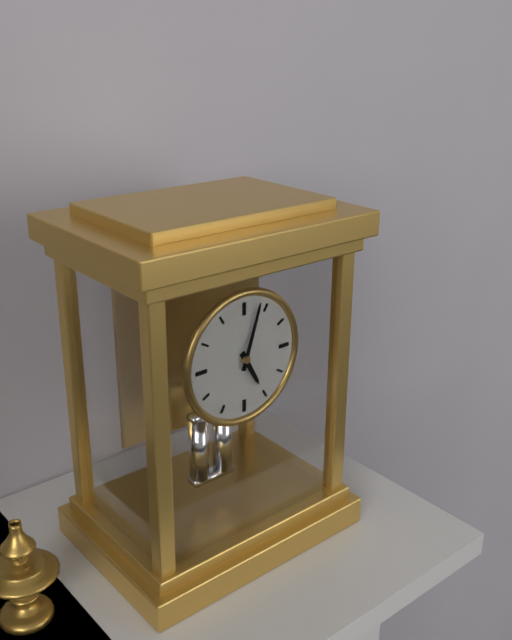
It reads 5h03
